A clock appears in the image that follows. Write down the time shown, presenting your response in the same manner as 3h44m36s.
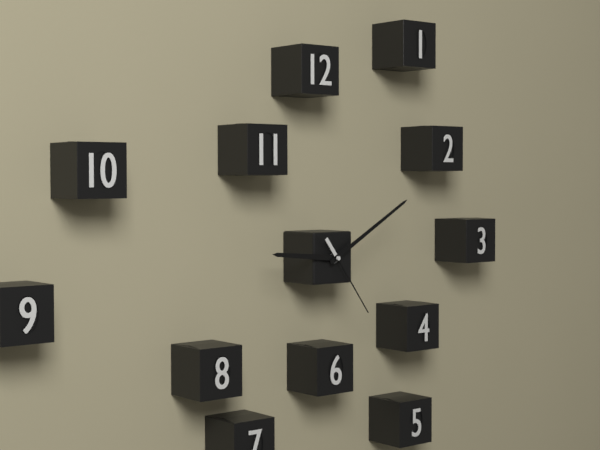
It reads 9h10m24s
